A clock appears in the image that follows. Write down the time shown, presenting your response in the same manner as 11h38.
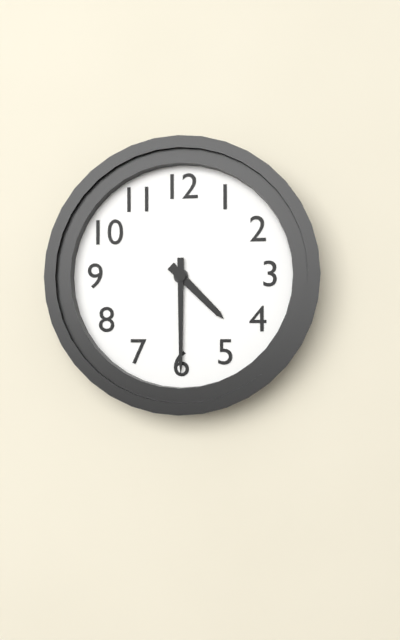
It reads 4h30
